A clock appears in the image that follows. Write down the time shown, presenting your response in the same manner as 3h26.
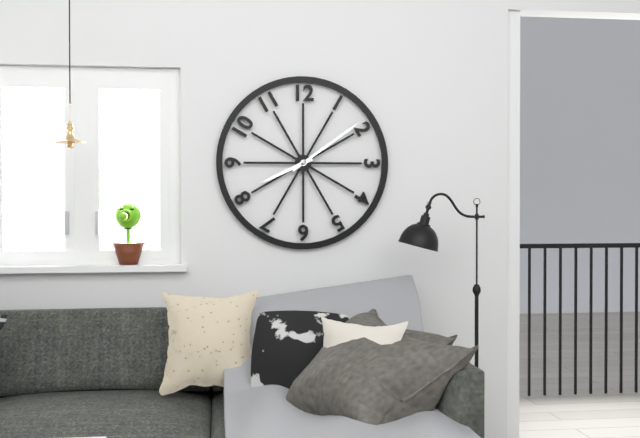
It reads 8h09
